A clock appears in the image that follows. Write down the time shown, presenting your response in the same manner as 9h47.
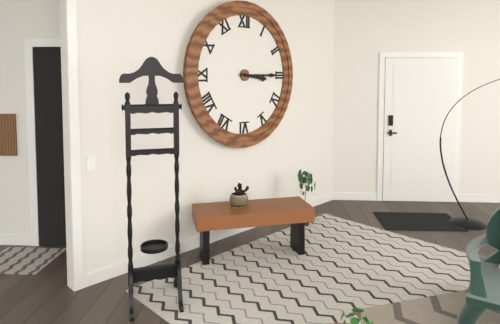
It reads 3h15
